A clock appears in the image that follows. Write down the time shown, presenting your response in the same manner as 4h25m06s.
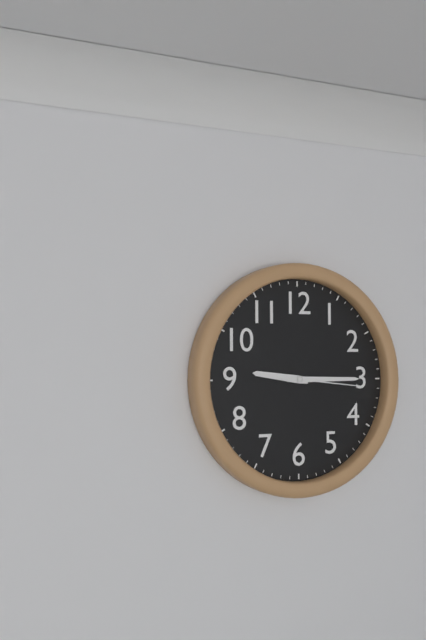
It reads 9h15m16s
